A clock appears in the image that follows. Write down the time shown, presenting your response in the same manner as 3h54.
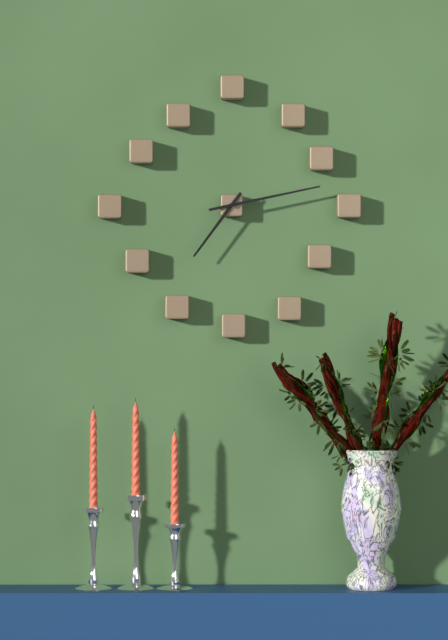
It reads 7h13
